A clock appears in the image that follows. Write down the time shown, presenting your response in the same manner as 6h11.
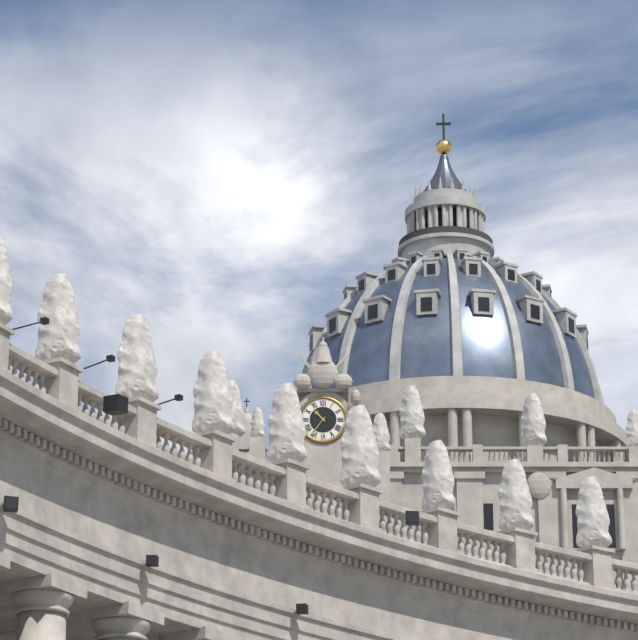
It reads 10h36
